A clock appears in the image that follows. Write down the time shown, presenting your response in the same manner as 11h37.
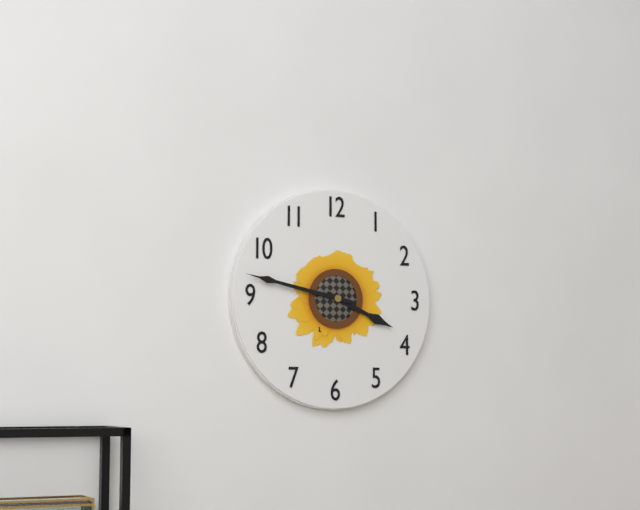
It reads 3h47
